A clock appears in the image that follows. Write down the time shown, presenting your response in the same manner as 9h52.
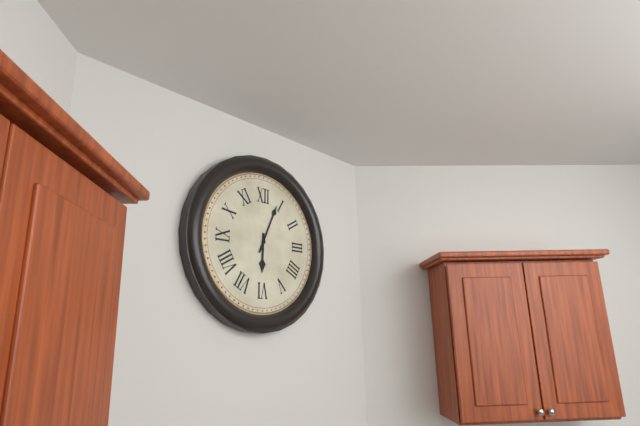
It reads 6h04
